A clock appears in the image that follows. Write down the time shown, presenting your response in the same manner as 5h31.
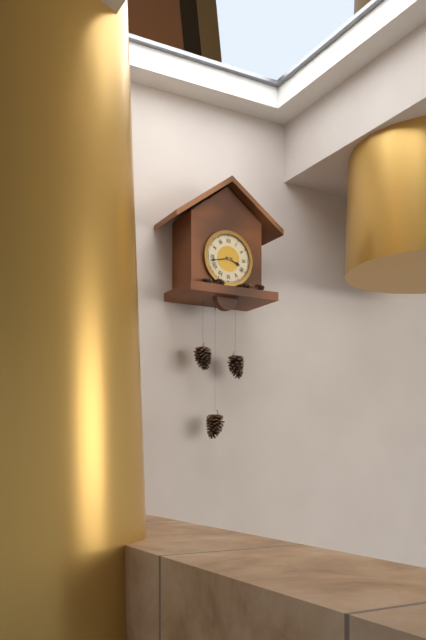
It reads 3h43
